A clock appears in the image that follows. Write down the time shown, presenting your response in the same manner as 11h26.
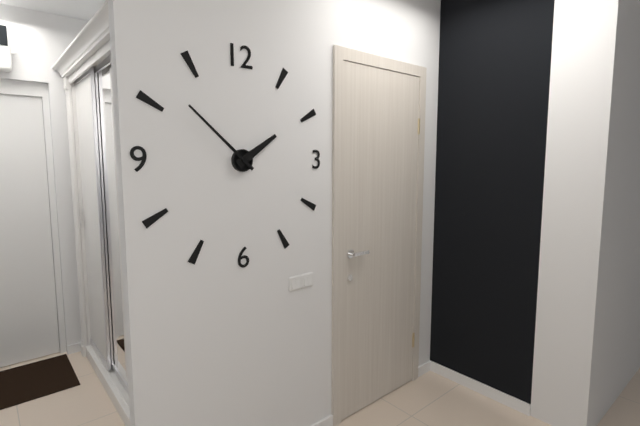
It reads 1h52
